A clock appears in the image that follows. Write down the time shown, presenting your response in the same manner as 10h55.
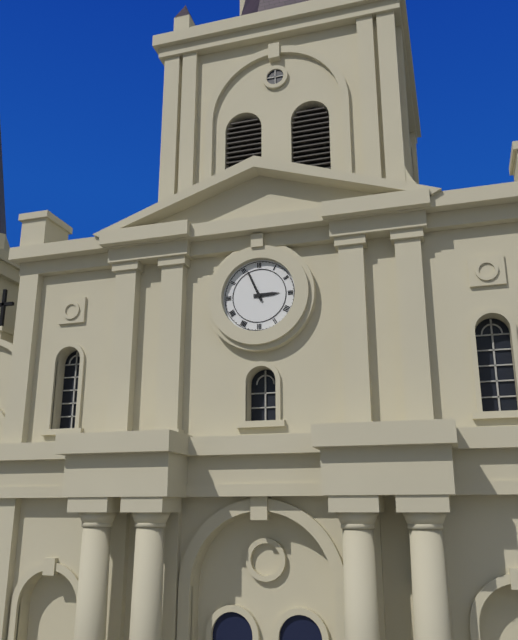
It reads 2h56
